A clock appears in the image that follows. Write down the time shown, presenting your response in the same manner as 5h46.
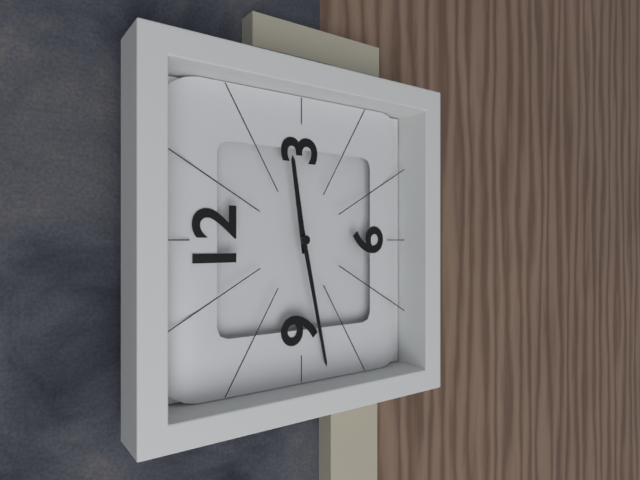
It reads 2h43
